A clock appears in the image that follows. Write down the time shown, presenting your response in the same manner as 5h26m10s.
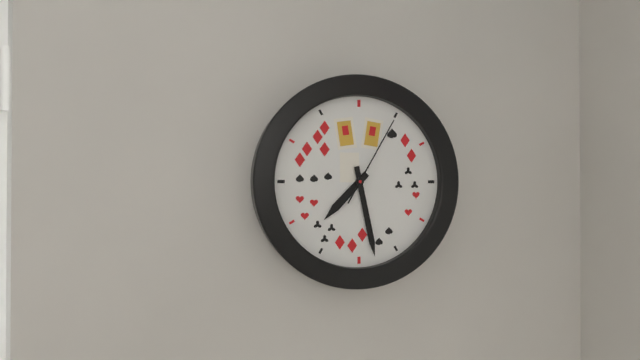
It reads 7h28m05s
